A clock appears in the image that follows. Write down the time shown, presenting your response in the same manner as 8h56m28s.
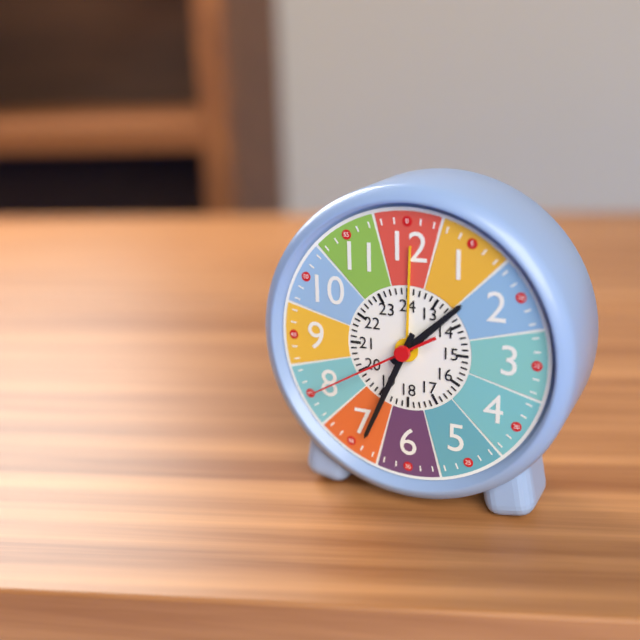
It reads 1h34m40s
